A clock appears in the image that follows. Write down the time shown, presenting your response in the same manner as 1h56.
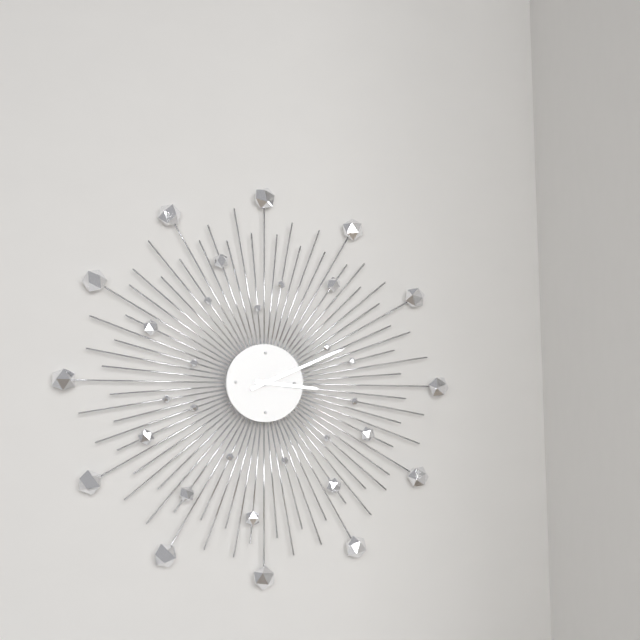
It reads 3h11
